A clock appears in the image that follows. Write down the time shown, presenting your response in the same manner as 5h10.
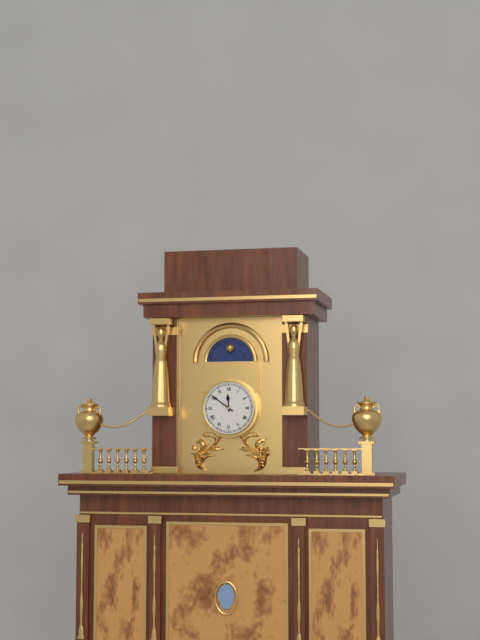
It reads 11h51
